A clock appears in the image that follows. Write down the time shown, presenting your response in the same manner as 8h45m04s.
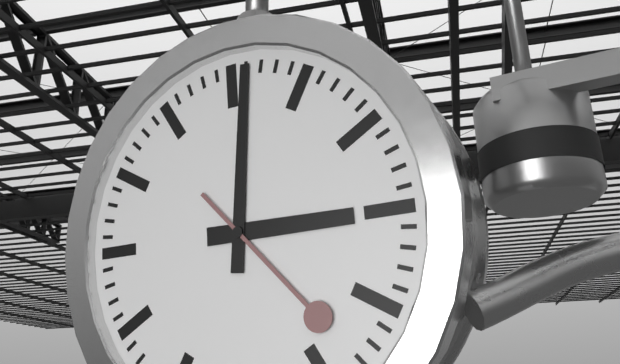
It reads 3h01m23s
